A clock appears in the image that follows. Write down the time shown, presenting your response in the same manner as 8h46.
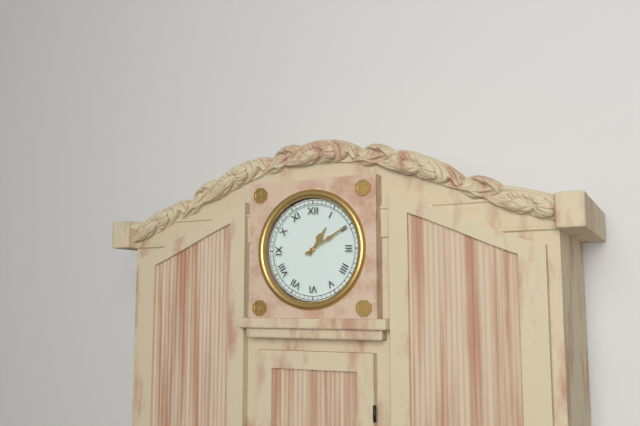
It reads 1h10
